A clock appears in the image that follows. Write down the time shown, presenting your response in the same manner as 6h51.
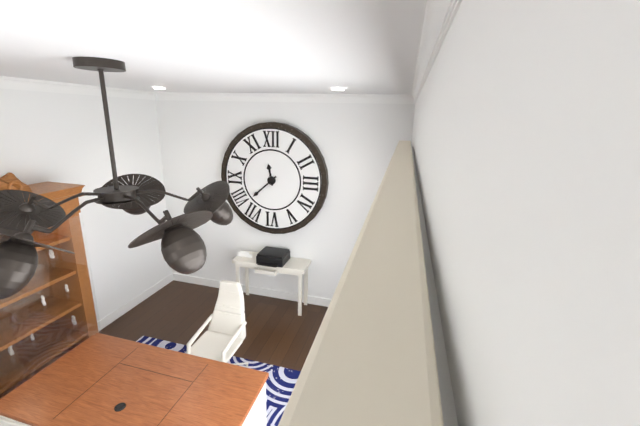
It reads 11h38
